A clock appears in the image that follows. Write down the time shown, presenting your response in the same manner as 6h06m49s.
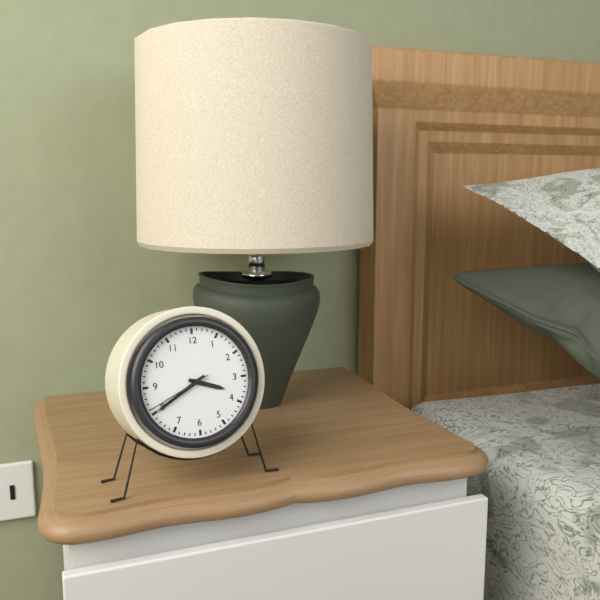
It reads 3h40m41s
